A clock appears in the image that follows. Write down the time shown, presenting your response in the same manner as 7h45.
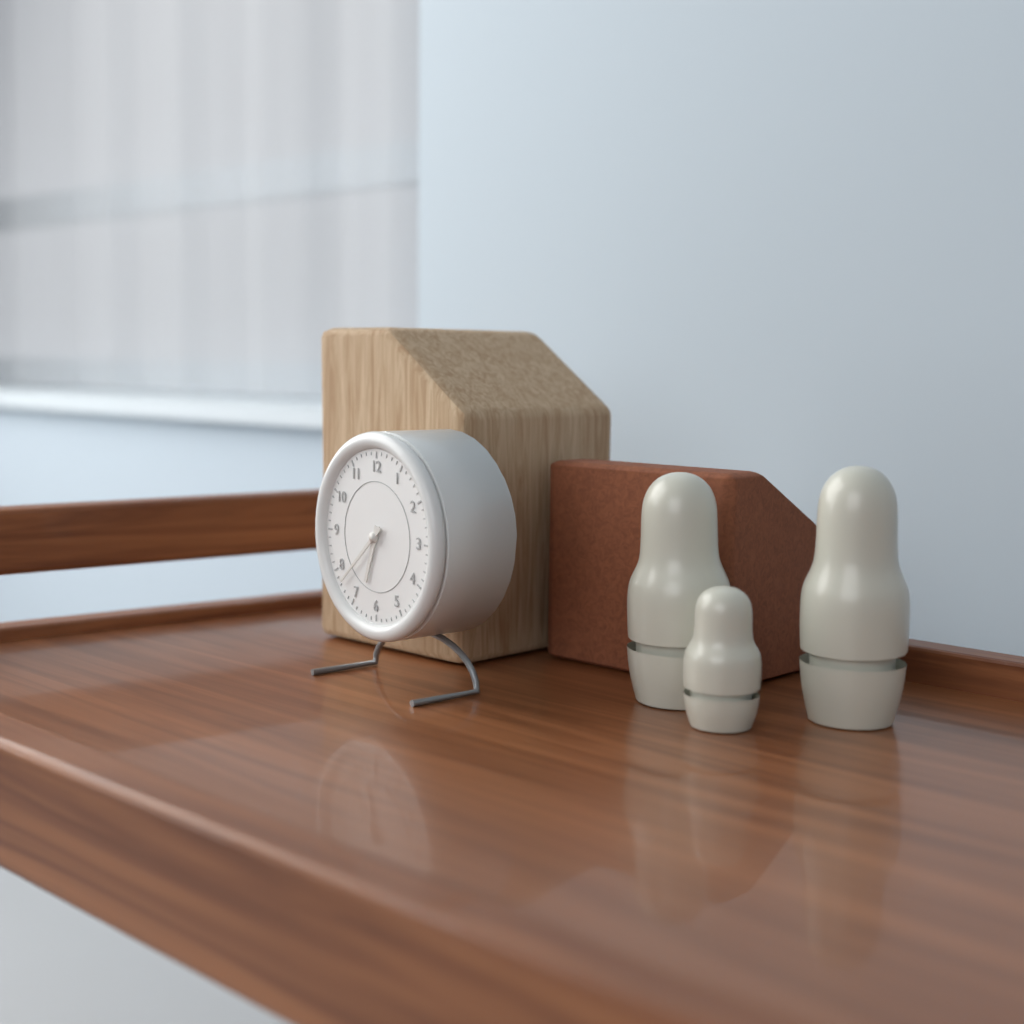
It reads 6h38
